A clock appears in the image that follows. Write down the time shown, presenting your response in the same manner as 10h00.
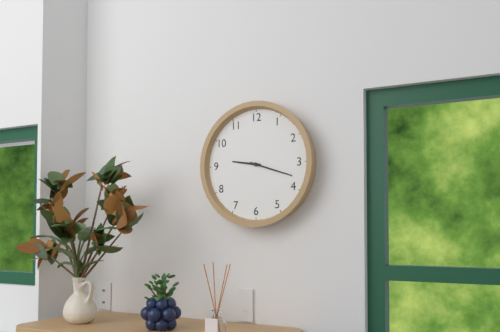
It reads 9h18
